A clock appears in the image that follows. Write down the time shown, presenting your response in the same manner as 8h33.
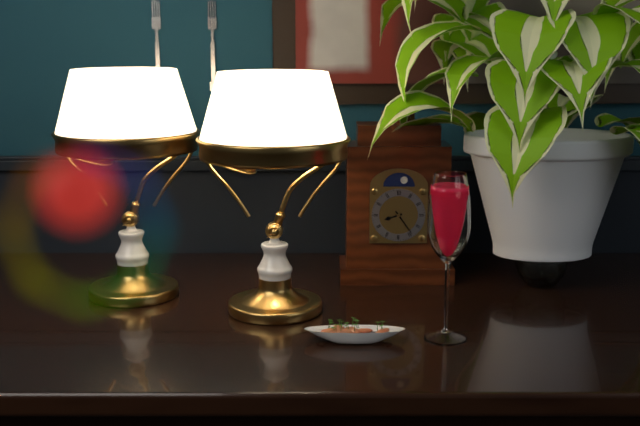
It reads 8h24
